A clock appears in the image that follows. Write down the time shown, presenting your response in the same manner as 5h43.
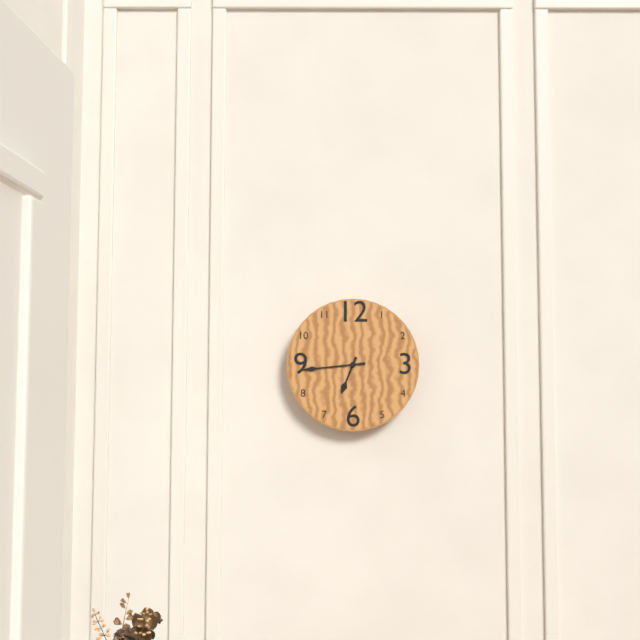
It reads 6h44
